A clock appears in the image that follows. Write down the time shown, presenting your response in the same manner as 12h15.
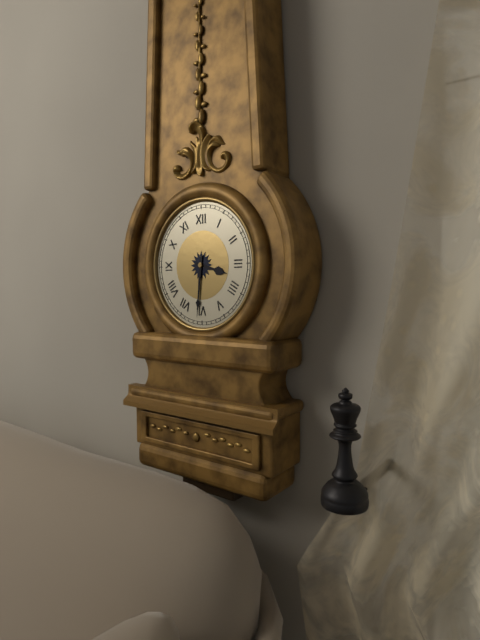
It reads 3h31
